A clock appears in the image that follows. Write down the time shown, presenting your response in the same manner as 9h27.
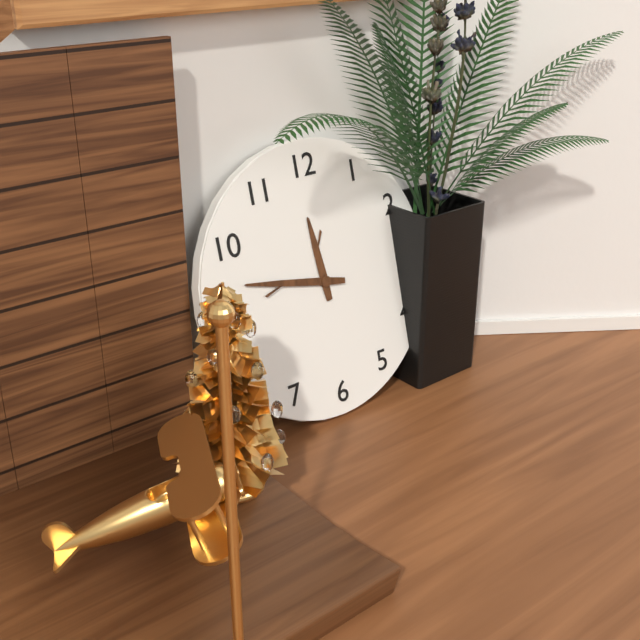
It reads 11h47
